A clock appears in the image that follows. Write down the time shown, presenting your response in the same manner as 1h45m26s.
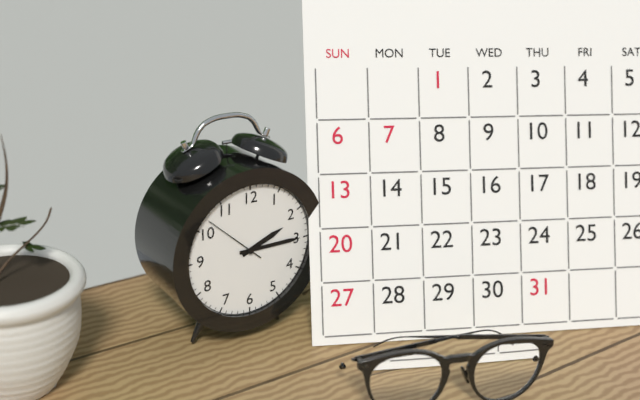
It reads 2h15m52s
